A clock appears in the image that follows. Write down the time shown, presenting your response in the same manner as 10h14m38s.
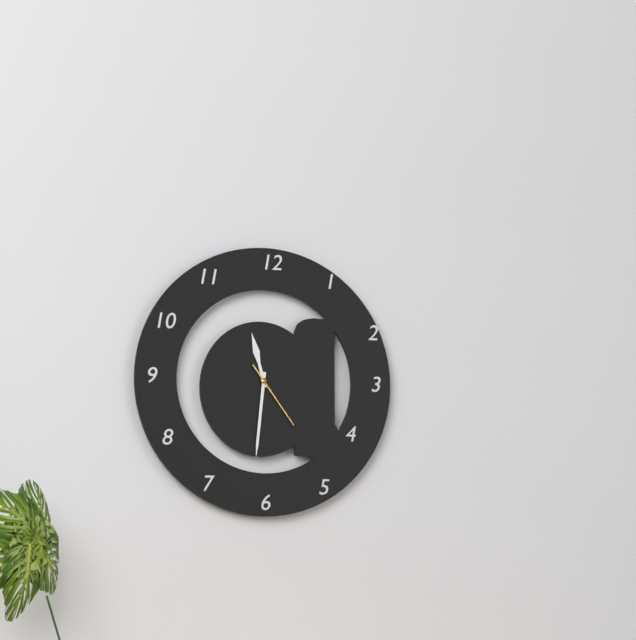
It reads 11h31m24s
